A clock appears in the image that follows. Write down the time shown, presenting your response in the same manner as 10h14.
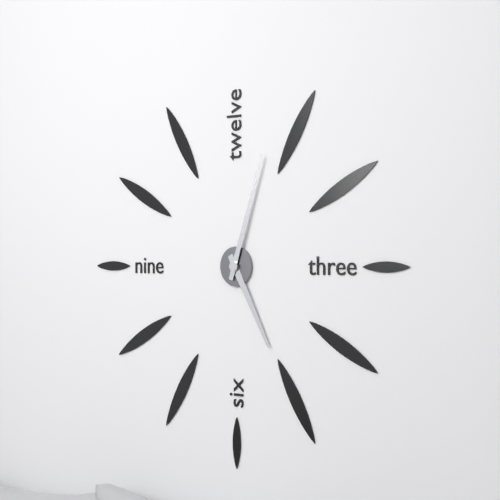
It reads 5h03
